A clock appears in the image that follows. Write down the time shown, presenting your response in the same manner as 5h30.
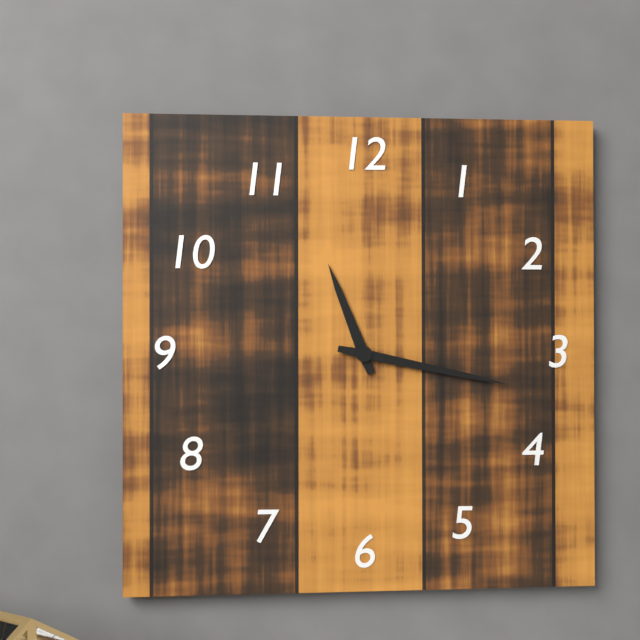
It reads 11h17
